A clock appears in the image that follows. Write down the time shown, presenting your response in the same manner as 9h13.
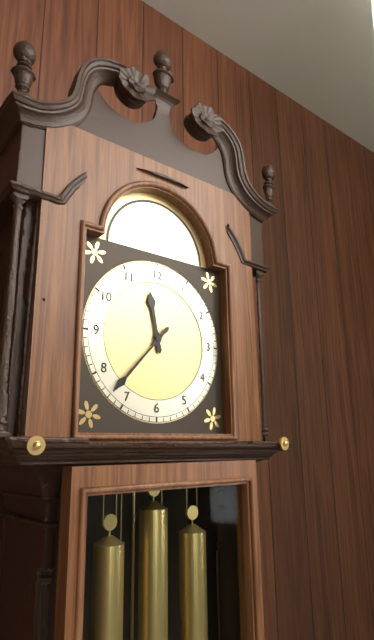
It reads 11h37
